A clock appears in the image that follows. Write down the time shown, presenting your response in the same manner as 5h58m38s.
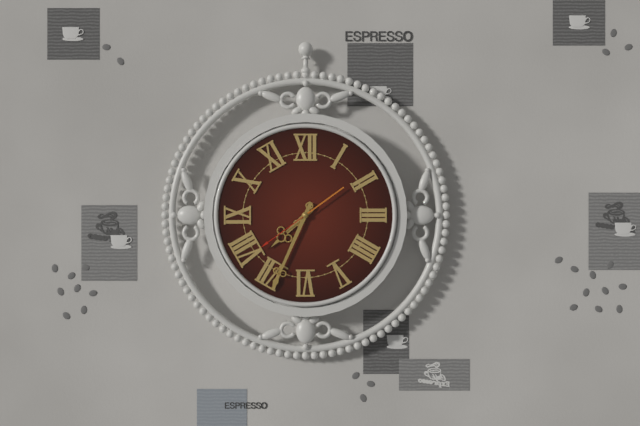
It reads 7h34m39s
